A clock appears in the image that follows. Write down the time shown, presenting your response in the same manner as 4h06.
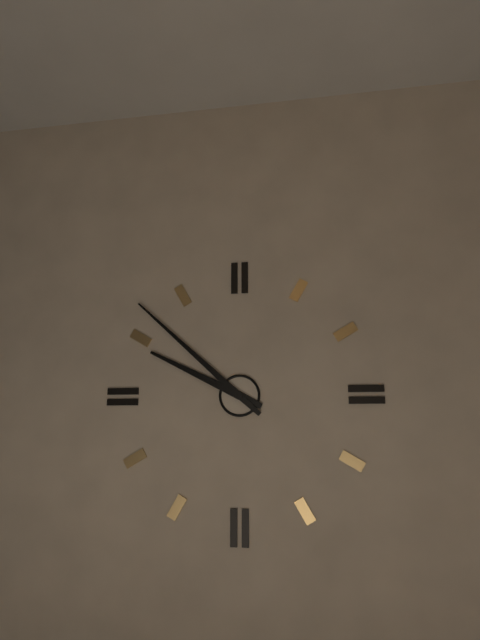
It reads 9h52
